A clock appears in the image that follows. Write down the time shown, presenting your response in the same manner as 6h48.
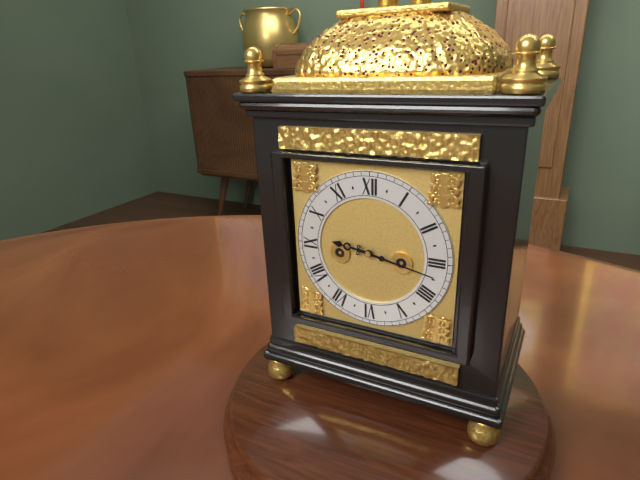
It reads 9h17
